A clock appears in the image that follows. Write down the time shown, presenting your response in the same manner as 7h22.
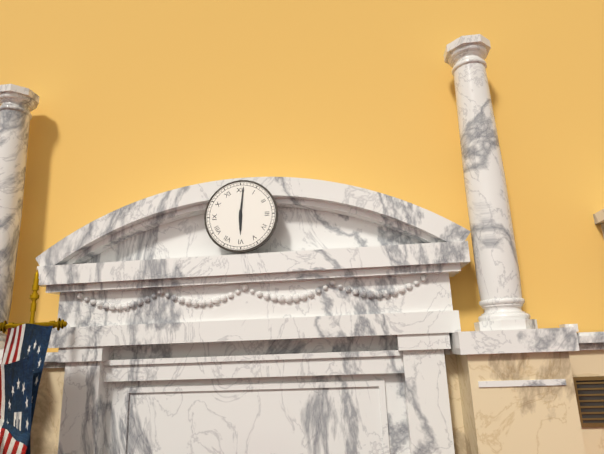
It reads 6h01
